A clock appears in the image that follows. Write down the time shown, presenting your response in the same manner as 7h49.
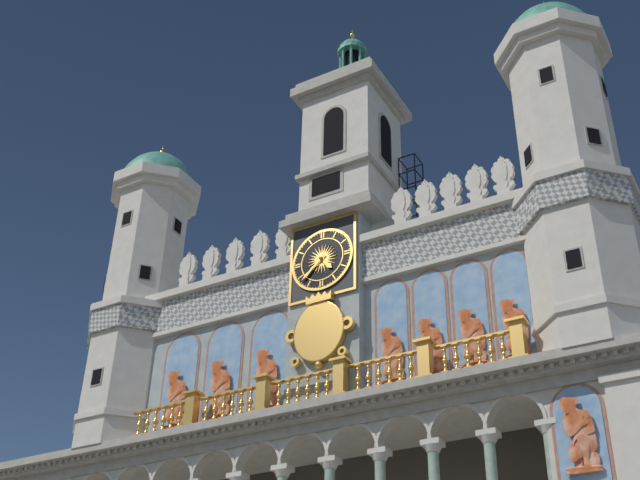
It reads 4h38
